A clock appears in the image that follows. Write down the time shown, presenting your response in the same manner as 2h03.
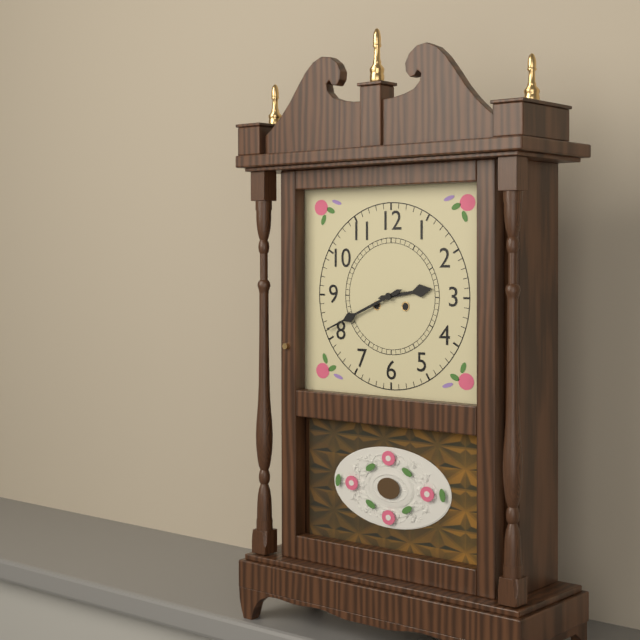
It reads 2h41
